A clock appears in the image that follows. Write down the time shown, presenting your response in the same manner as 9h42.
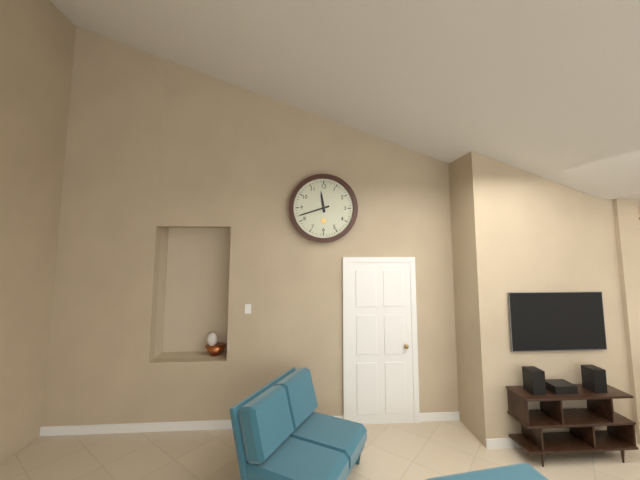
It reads 11h42
